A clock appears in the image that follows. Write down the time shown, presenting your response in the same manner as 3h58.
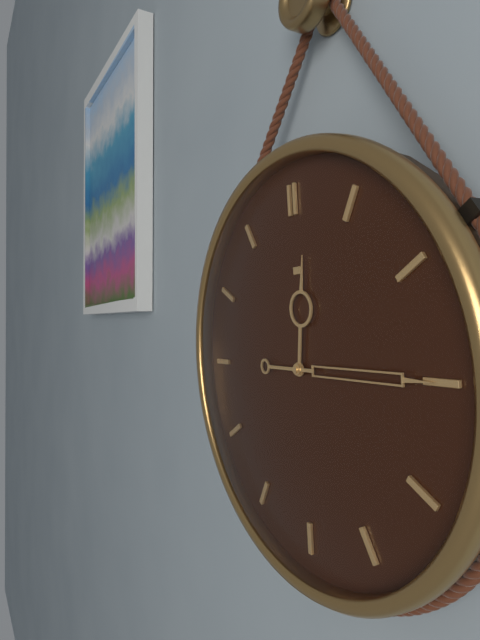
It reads 12h15
